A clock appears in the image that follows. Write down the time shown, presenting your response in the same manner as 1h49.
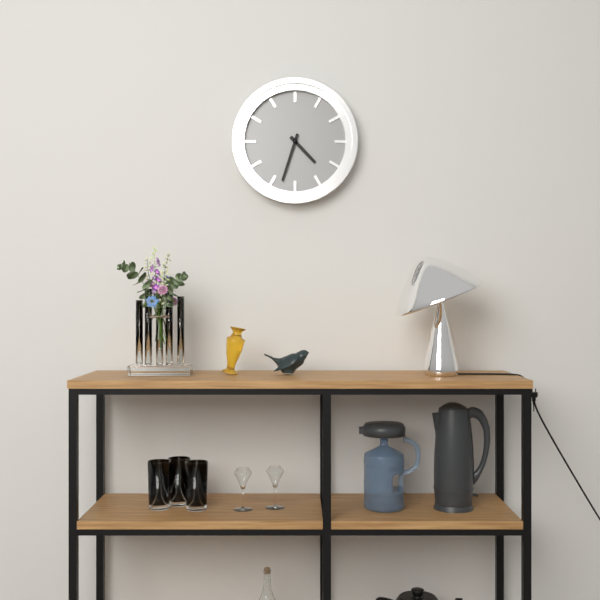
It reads 4h33
